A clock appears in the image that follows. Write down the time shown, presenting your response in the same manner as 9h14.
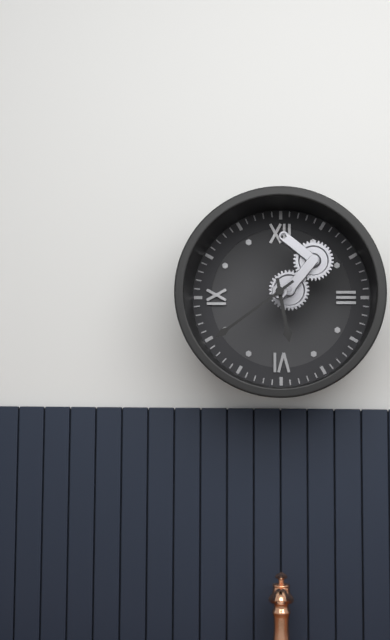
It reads 5h39
